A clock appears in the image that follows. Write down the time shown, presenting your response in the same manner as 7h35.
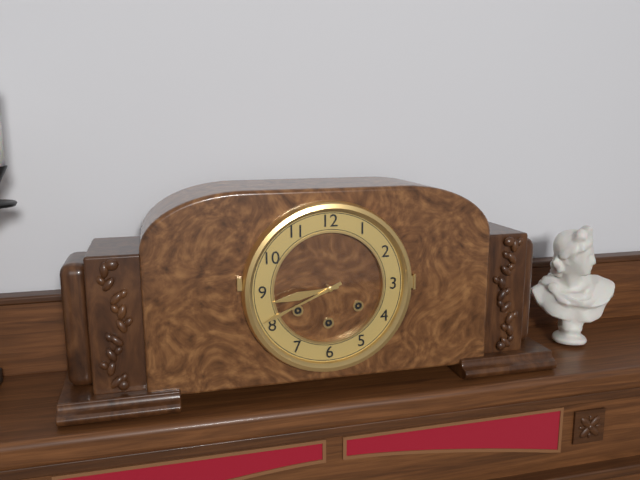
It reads 8h41
